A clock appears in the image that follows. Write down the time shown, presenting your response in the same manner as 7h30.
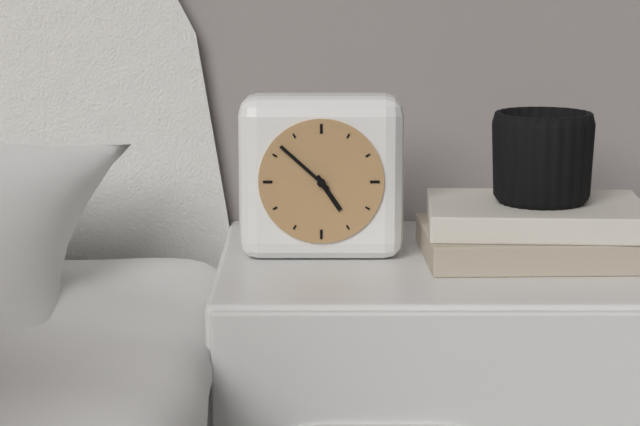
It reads 4h52
